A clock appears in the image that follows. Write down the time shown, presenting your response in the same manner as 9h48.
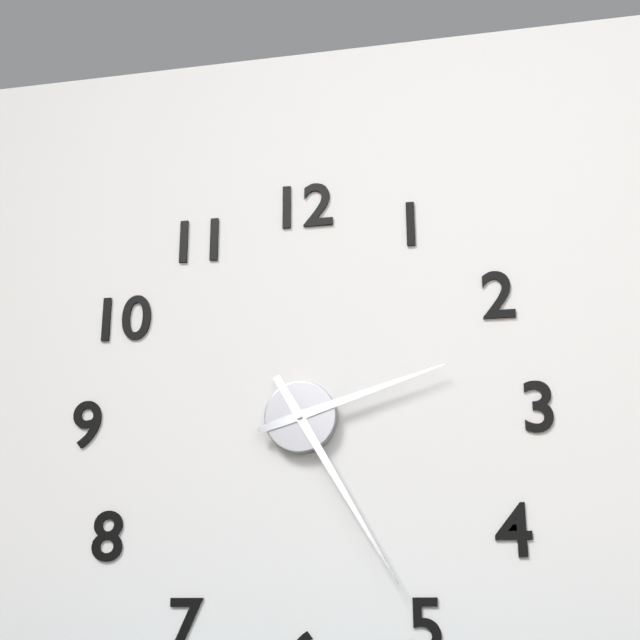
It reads 2h25
